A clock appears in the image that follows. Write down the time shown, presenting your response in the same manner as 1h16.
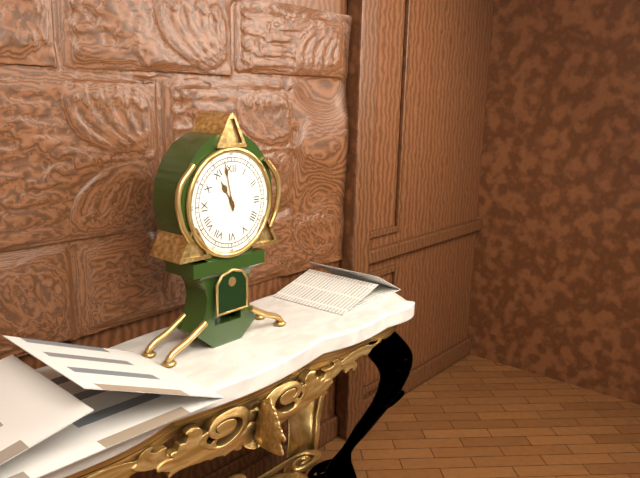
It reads 10h58
